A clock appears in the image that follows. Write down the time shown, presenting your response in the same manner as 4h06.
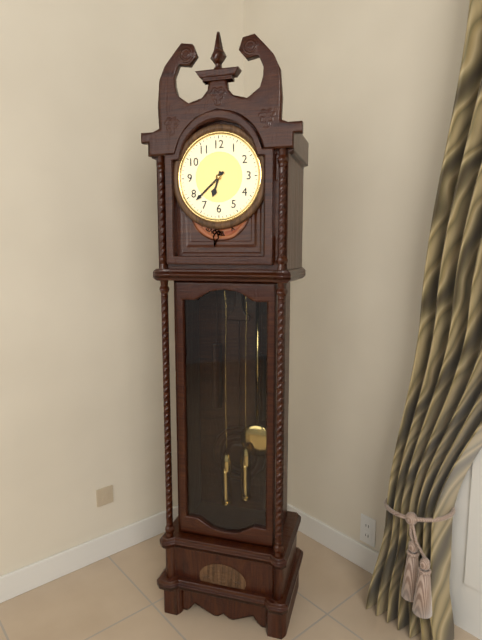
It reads 6h38
